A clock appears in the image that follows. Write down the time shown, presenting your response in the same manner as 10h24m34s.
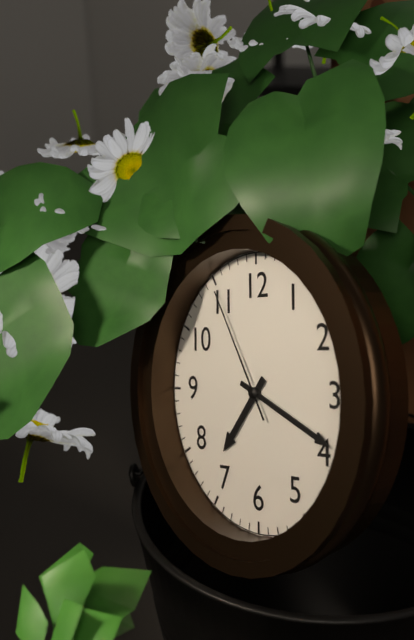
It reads 7h19m55s
